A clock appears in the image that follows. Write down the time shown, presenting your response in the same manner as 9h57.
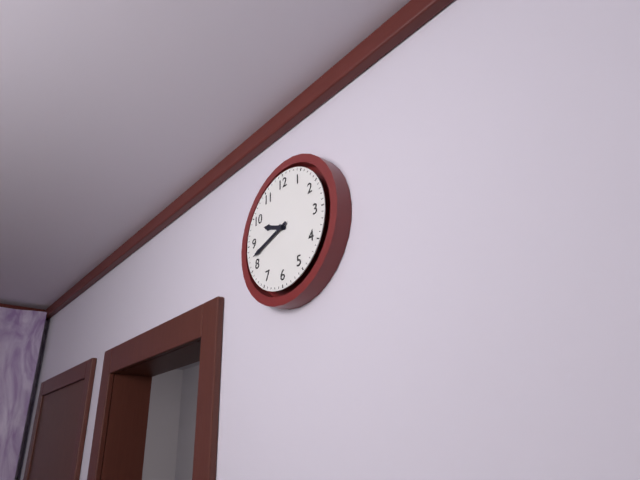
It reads 9h42
